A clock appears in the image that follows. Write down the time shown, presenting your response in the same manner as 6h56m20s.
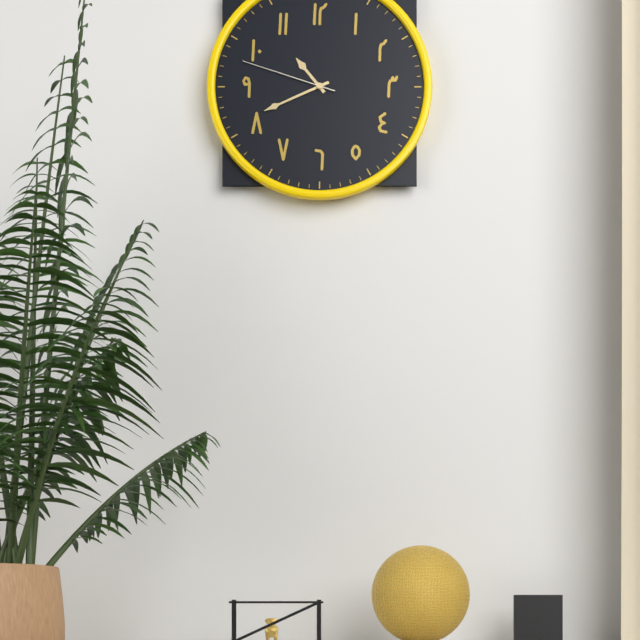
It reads 10h41m48s
